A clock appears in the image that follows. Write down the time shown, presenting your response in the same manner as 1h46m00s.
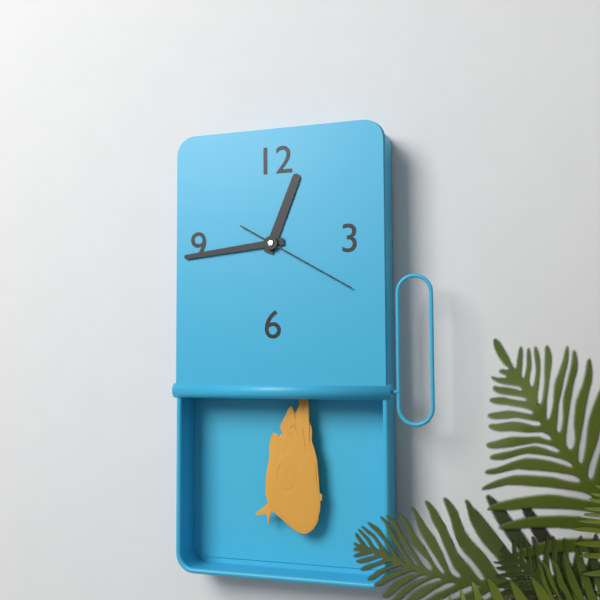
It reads 12h44m20s
